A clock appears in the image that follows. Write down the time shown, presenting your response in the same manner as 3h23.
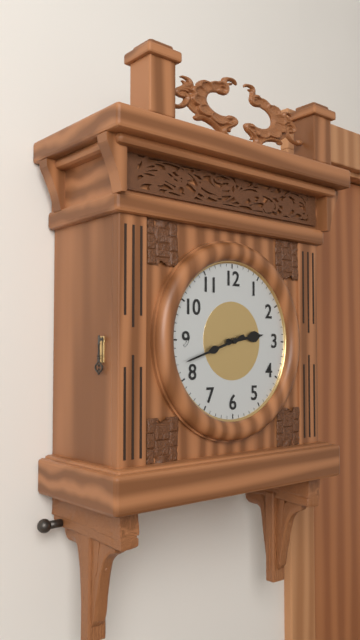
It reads 2h42
